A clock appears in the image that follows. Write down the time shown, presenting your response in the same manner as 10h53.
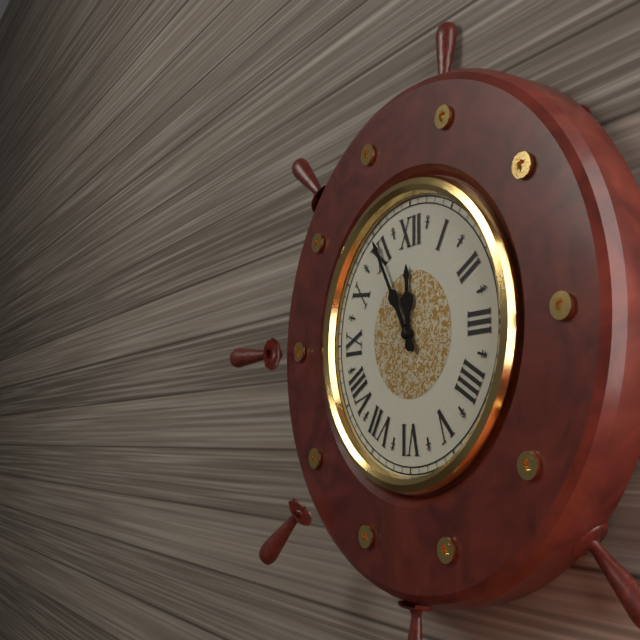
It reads 11h55
